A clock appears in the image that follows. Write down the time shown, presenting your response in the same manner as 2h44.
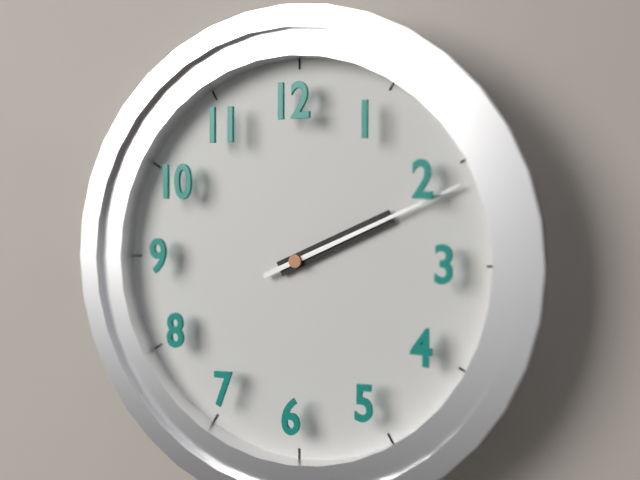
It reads 2h11
